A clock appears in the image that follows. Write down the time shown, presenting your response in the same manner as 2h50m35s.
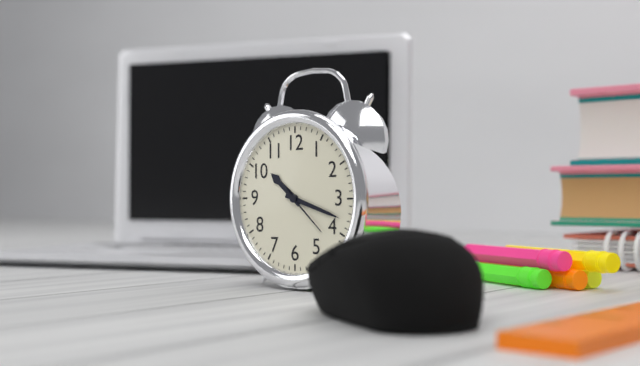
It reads 10h18m22s
